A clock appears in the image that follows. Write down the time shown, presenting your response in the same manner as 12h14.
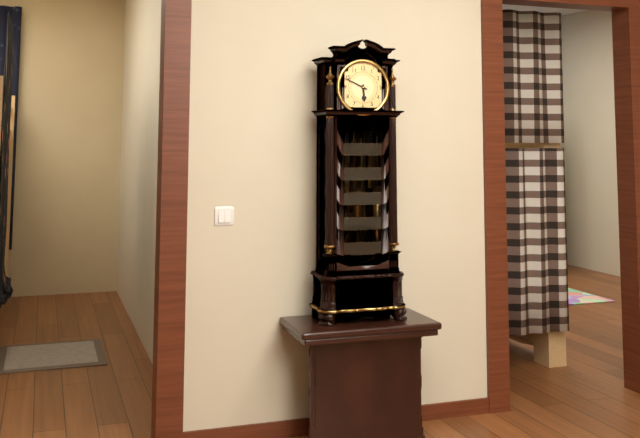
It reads 5h49
